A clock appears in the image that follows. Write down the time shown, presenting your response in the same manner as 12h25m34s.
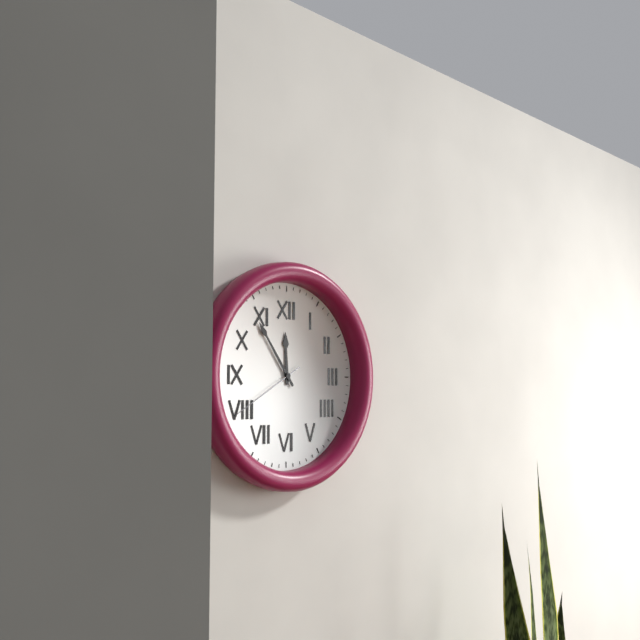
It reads 11h54m40s
